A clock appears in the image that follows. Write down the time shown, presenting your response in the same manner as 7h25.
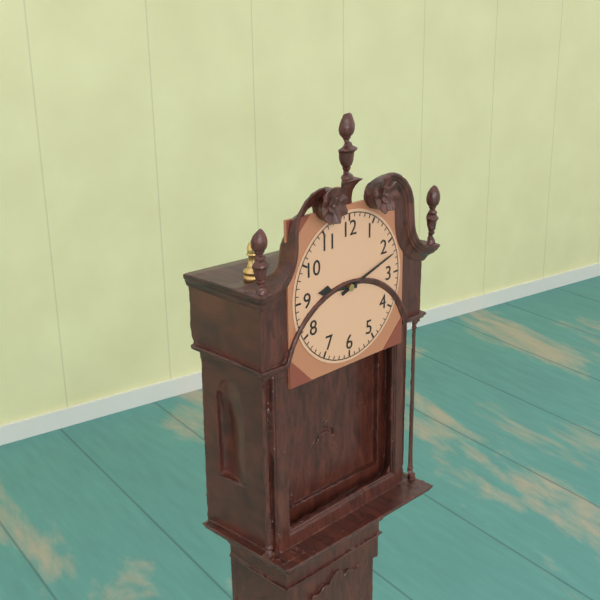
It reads 9h12
